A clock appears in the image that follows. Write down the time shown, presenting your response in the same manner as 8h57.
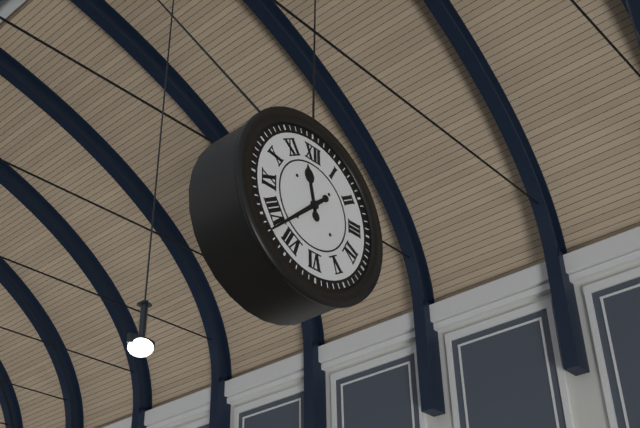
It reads 11h38
